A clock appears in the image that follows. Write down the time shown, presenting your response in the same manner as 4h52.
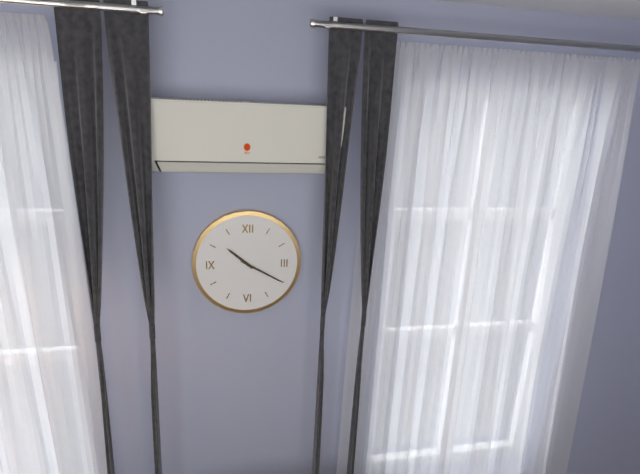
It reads 10h20
